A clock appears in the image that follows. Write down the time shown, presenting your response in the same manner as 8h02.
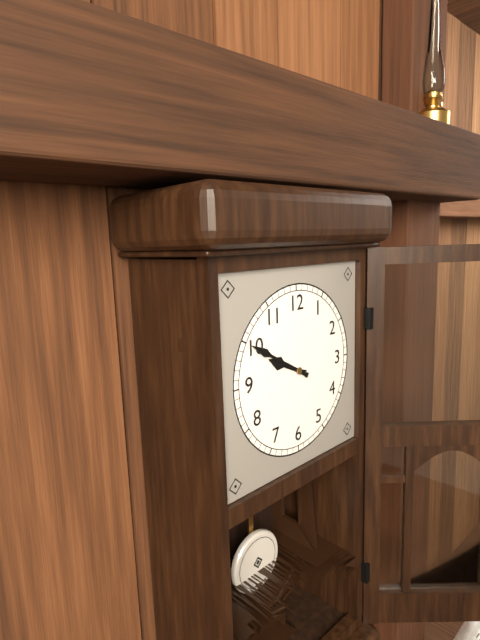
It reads 9h50
